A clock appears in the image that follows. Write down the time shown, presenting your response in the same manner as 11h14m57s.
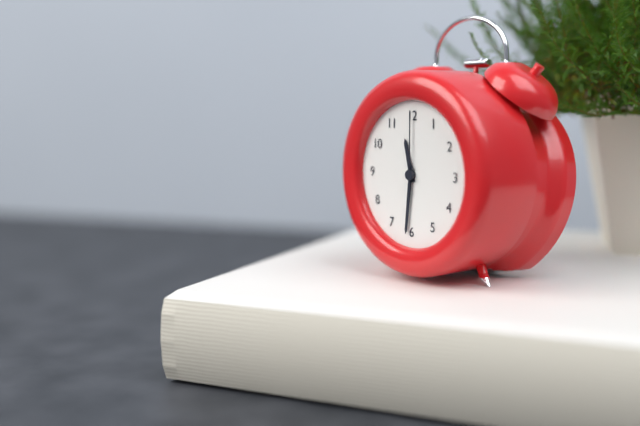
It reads 11h31m00s
